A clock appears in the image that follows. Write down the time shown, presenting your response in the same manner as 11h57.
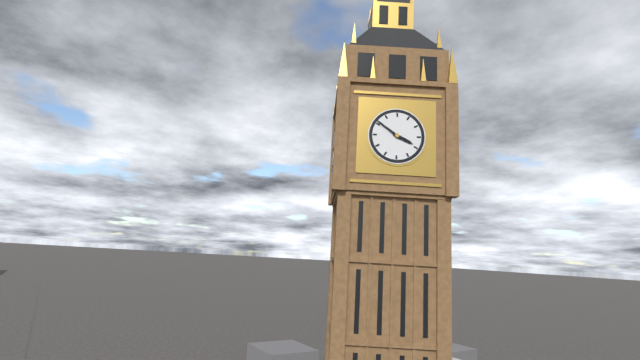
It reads 3h51
